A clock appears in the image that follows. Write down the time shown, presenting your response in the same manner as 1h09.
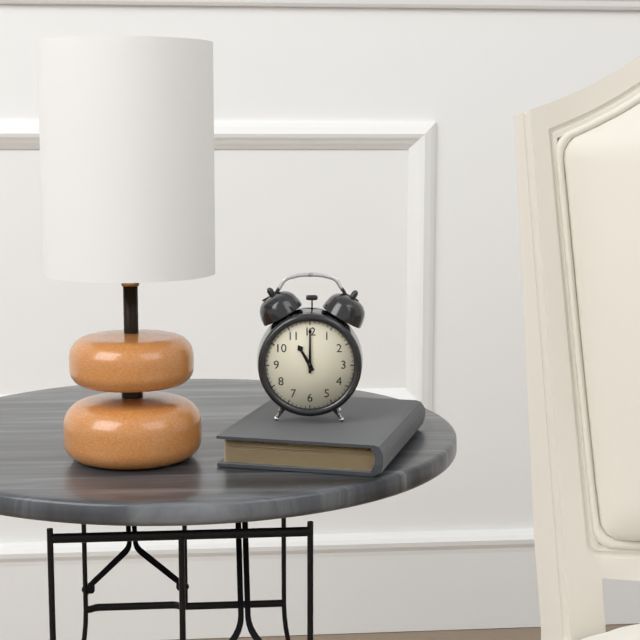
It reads 11h00
